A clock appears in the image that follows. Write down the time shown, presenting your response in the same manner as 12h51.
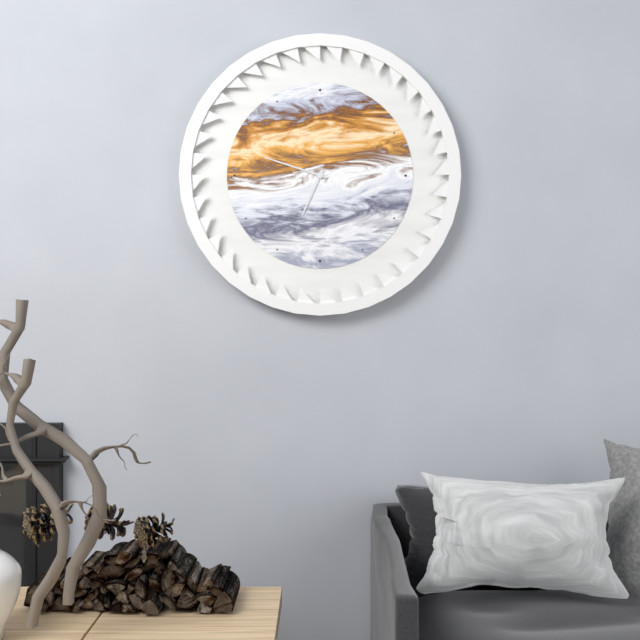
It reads 6h48
